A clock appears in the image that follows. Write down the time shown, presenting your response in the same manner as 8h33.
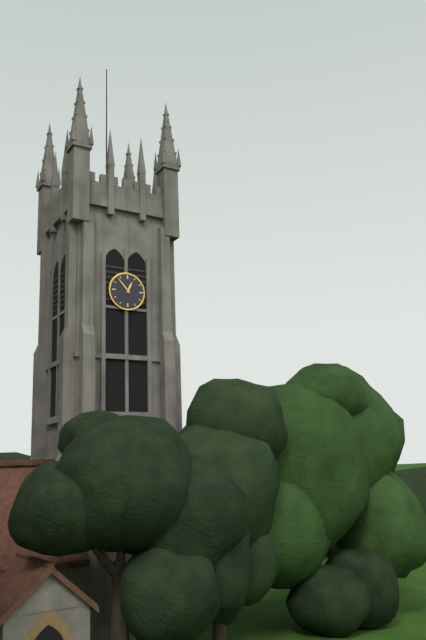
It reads 12h53
